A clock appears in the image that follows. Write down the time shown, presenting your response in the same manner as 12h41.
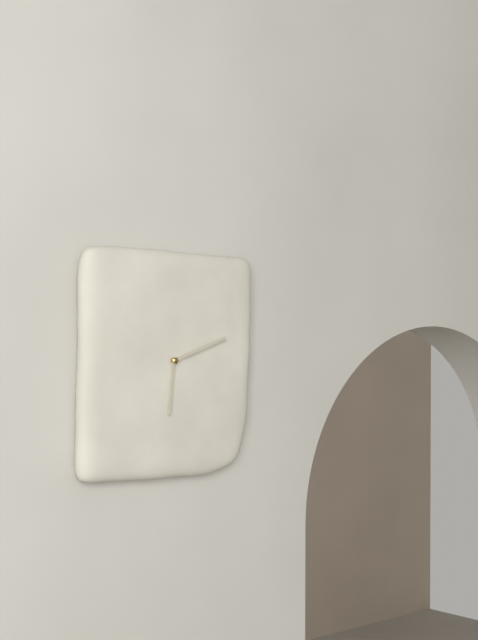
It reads 6h12
